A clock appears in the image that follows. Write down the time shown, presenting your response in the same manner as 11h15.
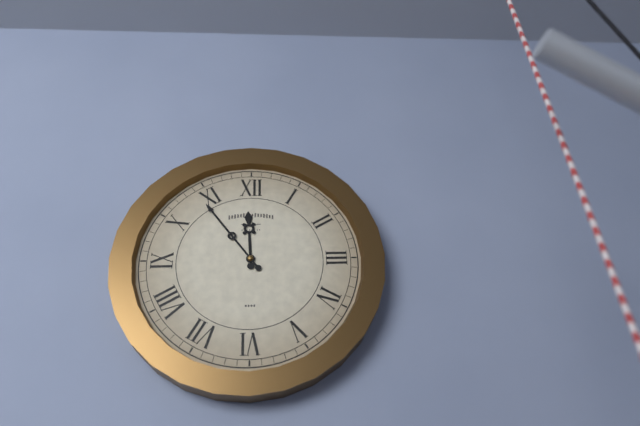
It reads 11h54
